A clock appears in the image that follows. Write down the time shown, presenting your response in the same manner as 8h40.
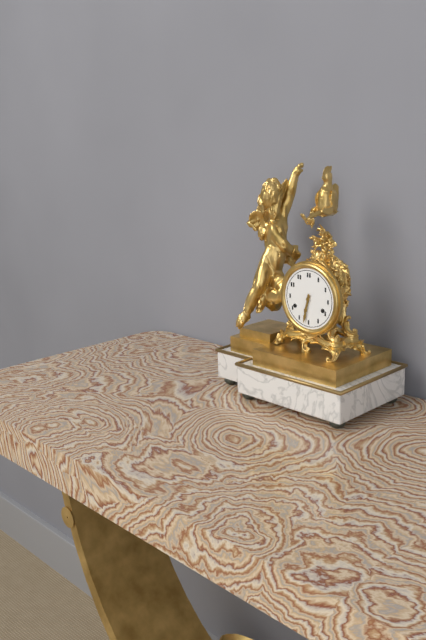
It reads 6h32
